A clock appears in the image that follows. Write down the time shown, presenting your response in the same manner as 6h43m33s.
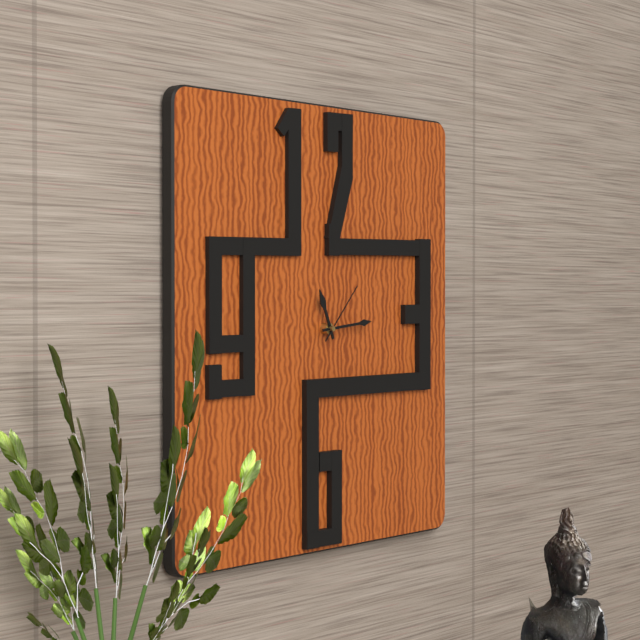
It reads 11h14m07s
